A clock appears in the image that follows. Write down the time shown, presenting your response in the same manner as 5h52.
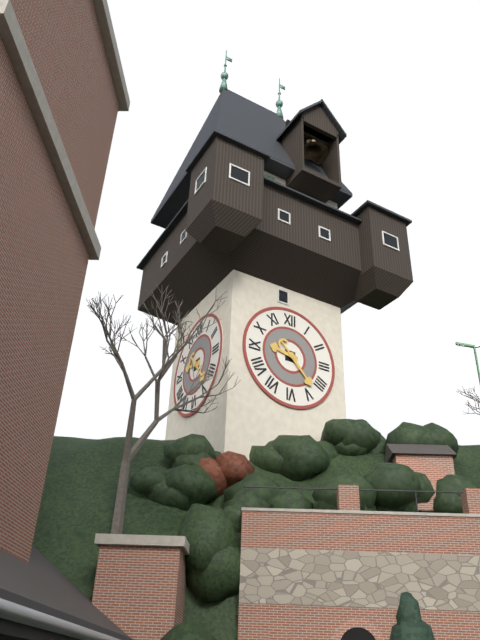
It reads 9h23
